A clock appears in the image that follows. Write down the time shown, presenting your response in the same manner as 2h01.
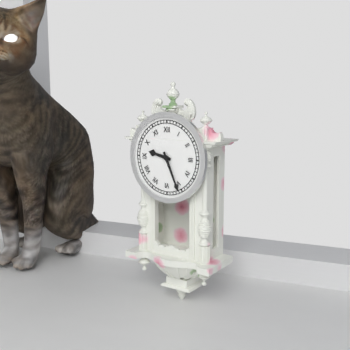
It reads 9h26
